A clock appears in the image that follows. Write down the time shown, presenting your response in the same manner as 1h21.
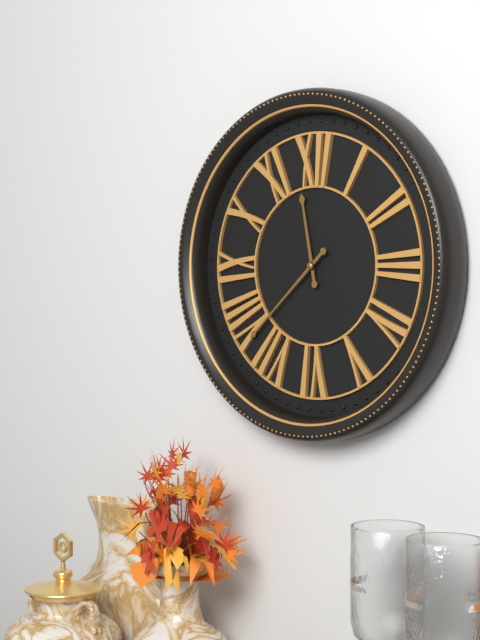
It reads 11h38
